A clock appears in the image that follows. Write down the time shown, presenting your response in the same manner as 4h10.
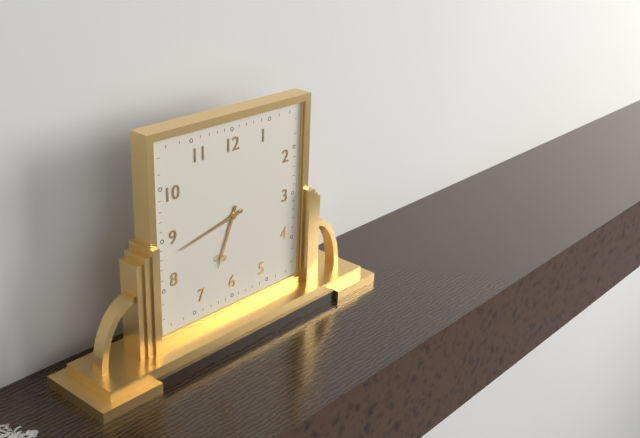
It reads 6h43
